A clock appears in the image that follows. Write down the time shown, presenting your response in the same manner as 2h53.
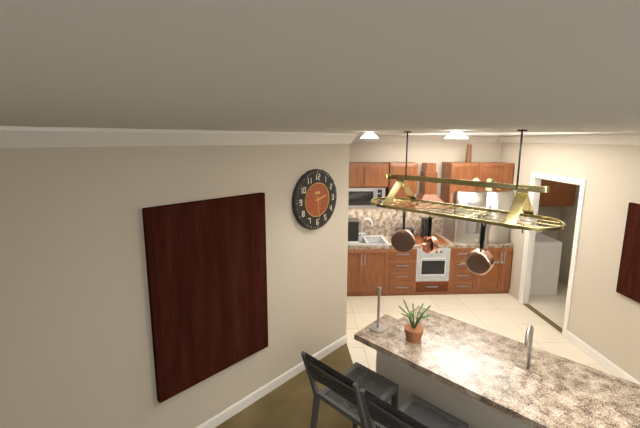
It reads 2h29
